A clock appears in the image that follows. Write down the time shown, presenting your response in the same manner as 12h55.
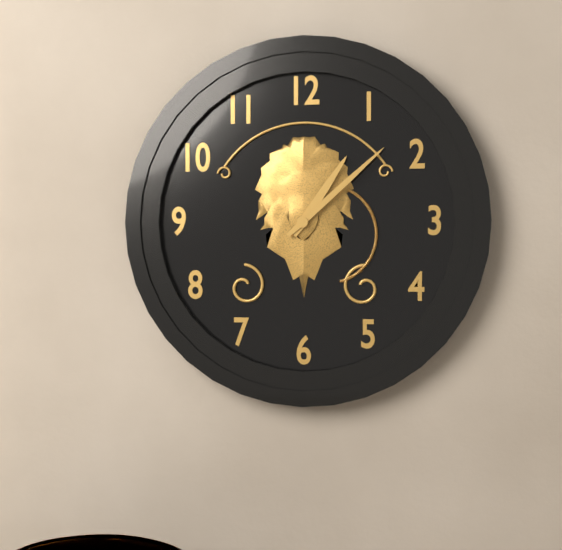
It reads 1h08
